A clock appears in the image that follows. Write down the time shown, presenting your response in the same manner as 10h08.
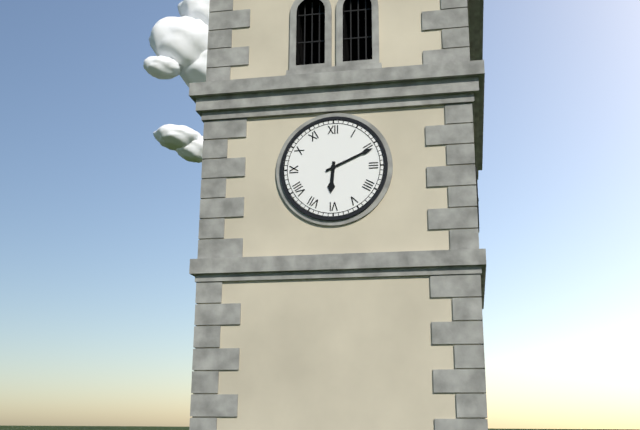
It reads 6h11
